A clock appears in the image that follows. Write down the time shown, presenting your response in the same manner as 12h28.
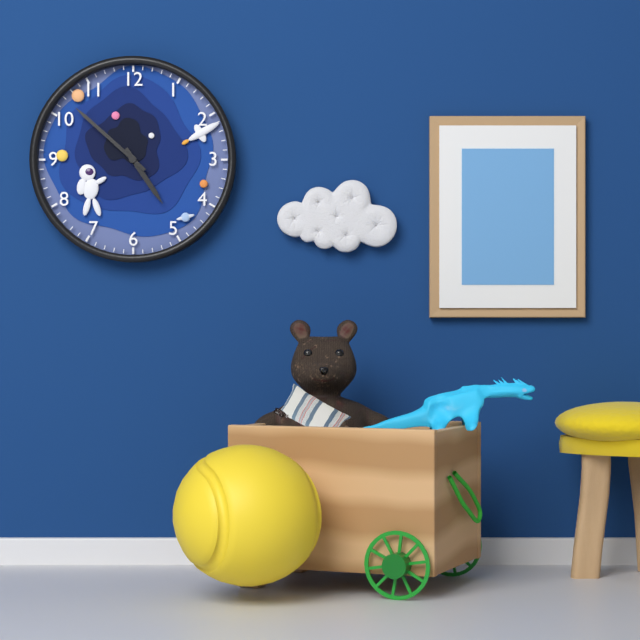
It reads 4h52
